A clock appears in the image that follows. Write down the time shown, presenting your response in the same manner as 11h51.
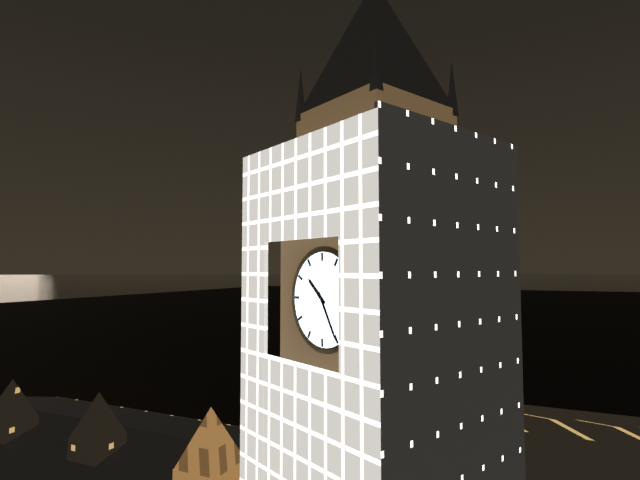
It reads 10h25
